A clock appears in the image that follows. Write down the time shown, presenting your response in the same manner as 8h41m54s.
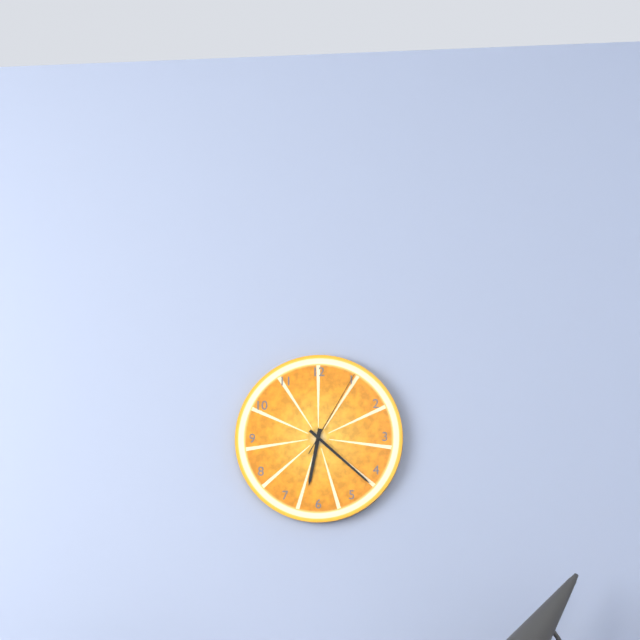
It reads 6h22m05s
